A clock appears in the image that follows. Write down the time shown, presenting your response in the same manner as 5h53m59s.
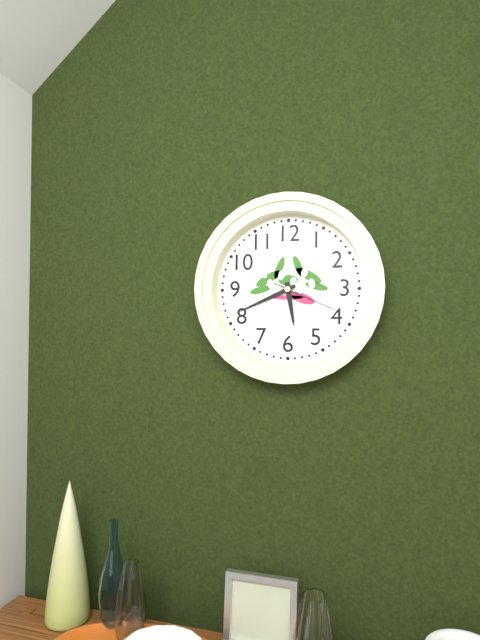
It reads 5h41m19s
